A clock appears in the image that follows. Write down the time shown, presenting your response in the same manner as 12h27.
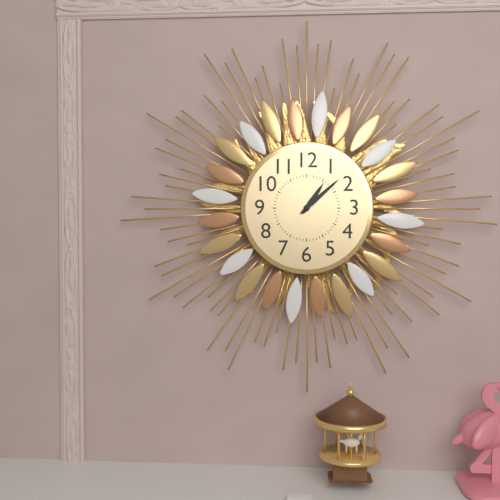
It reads 1h08
